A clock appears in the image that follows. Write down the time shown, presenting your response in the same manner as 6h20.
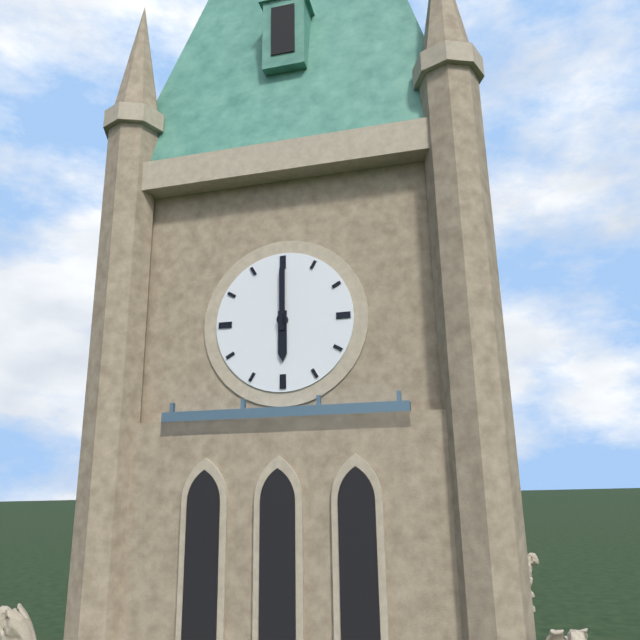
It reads 6h00
